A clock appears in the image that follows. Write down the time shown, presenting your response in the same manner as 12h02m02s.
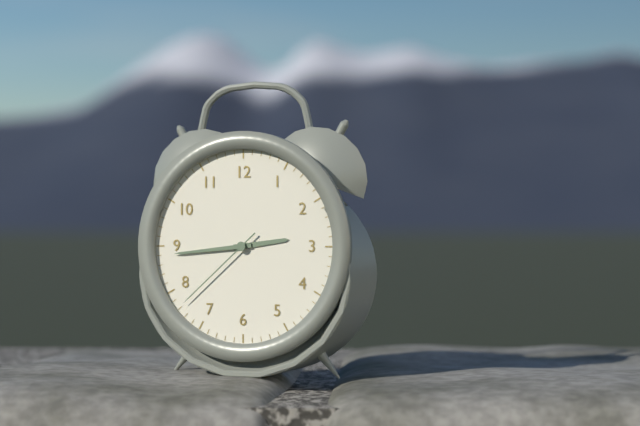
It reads 2h44m38s
